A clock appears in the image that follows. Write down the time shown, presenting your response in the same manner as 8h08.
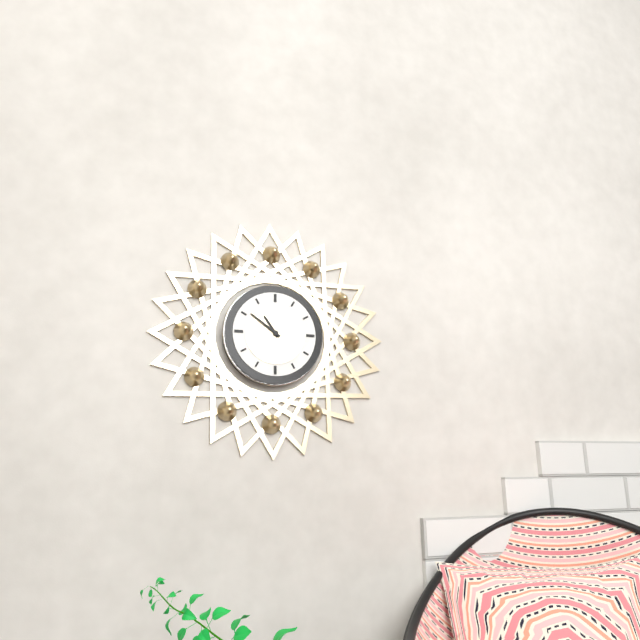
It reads 10h51
